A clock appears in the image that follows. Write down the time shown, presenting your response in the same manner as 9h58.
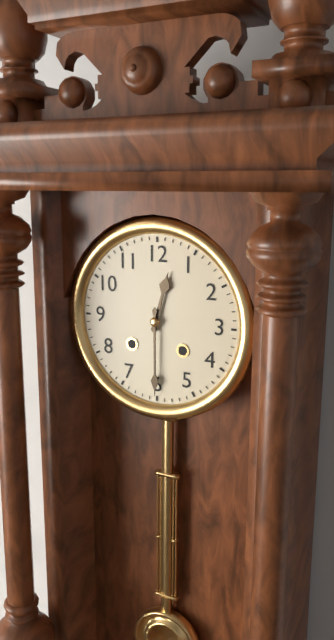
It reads 12h30
